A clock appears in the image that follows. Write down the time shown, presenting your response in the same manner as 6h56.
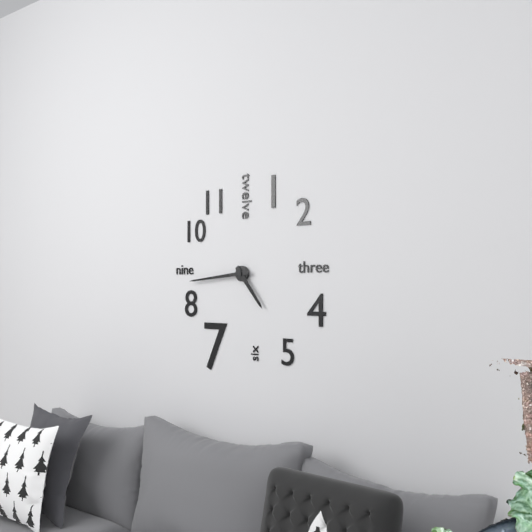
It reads 4h44
